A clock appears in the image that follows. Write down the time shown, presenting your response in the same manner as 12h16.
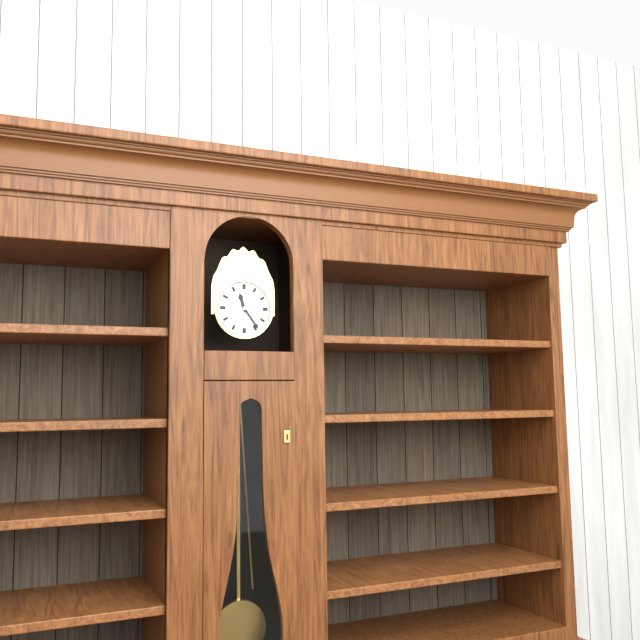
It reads 11h24
